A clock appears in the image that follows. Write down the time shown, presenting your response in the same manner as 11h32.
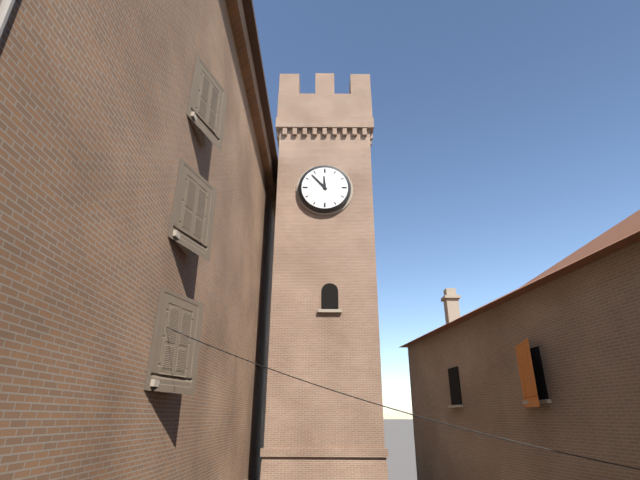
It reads 11h53
